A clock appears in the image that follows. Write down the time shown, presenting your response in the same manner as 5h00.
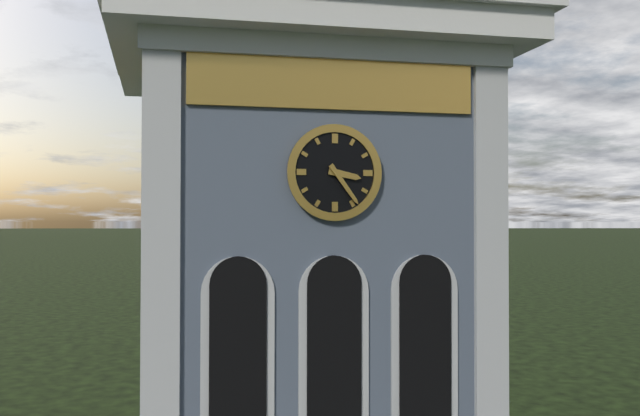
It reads 3h24
